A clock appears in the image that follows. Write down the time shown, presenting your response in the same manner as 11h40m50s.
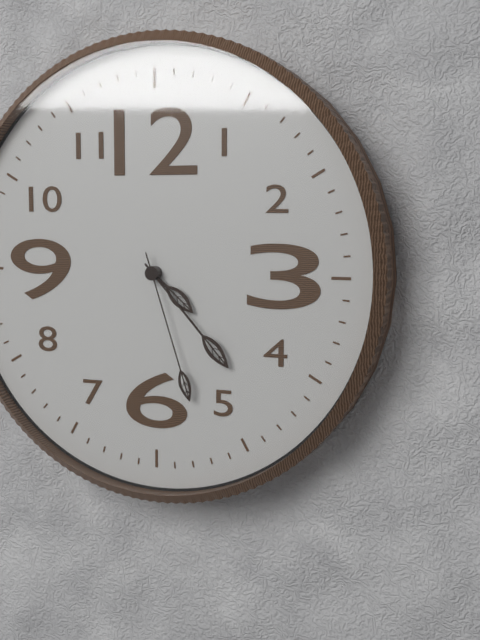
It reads 4h23m27s
